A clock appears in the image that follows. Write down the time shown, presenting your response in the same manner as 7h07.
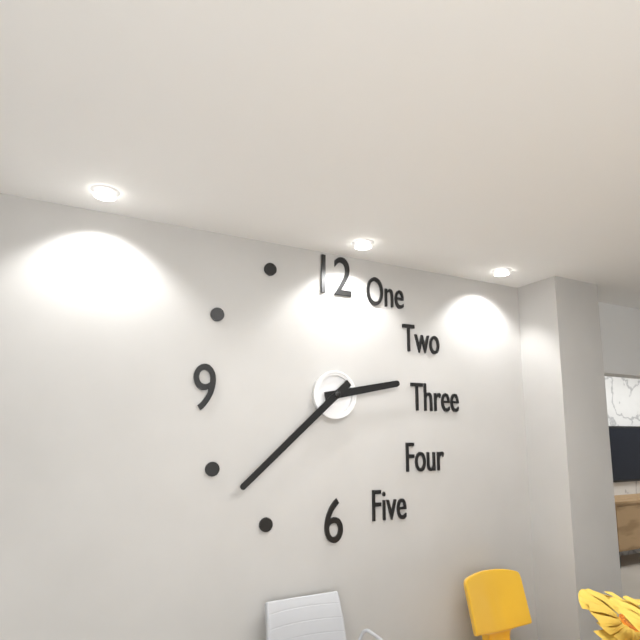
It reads 2h38
